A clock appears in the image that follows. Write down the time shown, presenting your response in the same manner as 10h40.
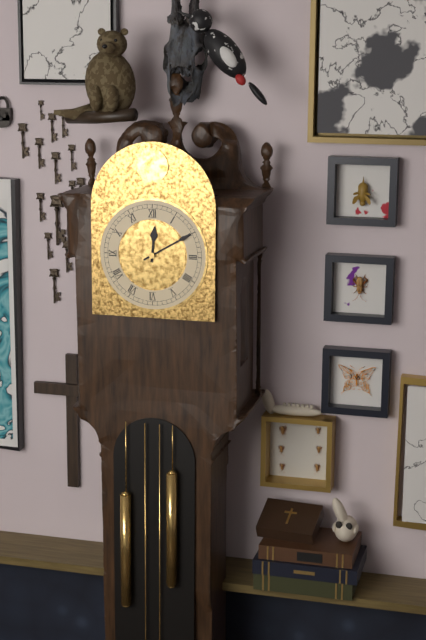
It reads 12h10
